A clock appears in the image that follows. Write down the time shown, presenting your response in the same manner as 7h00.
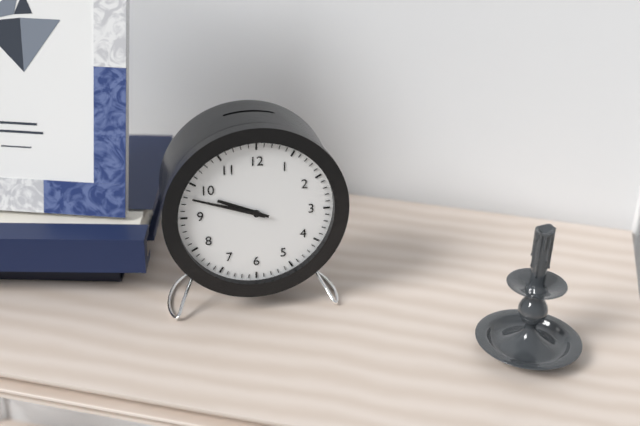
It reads 9h48
